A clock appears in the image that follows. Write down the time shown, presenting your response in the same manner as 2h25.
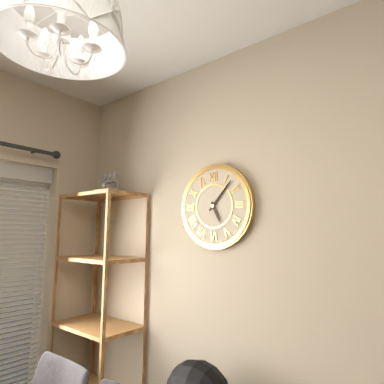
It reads 5h07
